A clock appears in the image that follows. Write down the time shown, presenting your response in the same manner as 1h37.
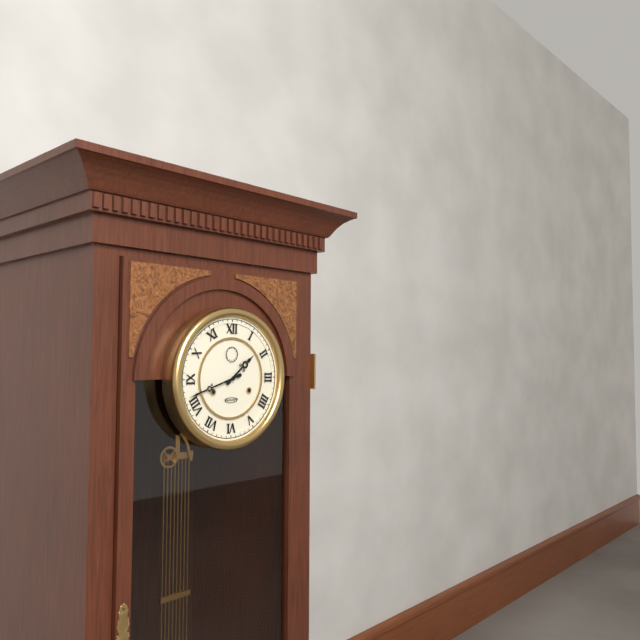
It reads 1h42
